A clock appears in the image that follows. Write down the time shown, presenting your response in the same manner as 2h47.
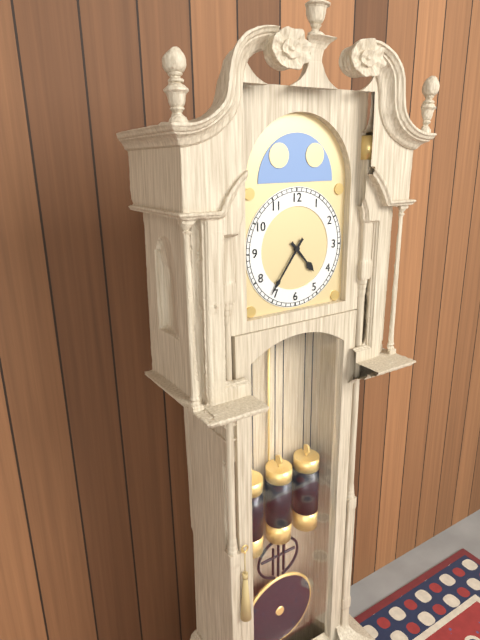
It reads 4h36
